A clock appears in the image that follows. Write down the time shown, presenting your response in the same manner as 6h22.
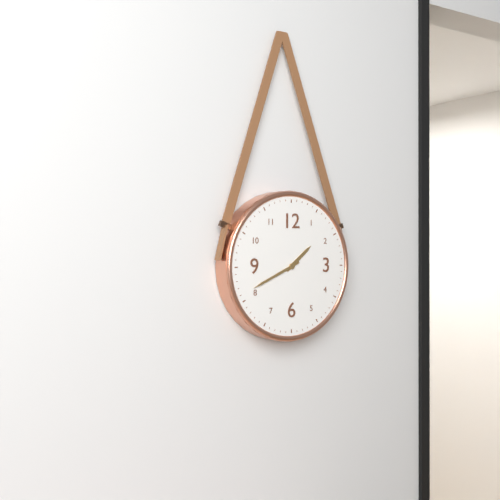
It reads 1h41
